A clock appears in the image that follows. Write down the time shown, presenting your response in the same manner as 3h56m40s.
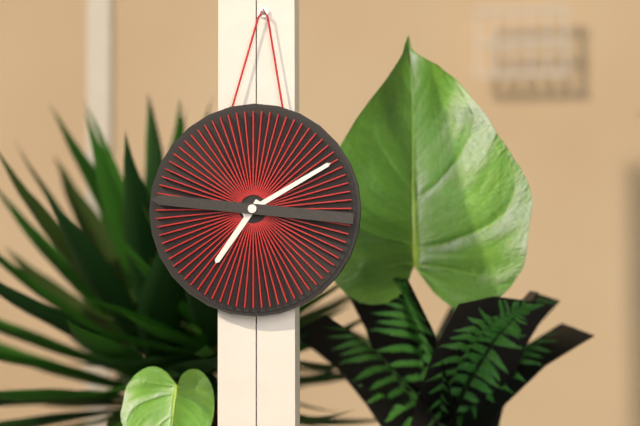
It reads 7h10m46s
